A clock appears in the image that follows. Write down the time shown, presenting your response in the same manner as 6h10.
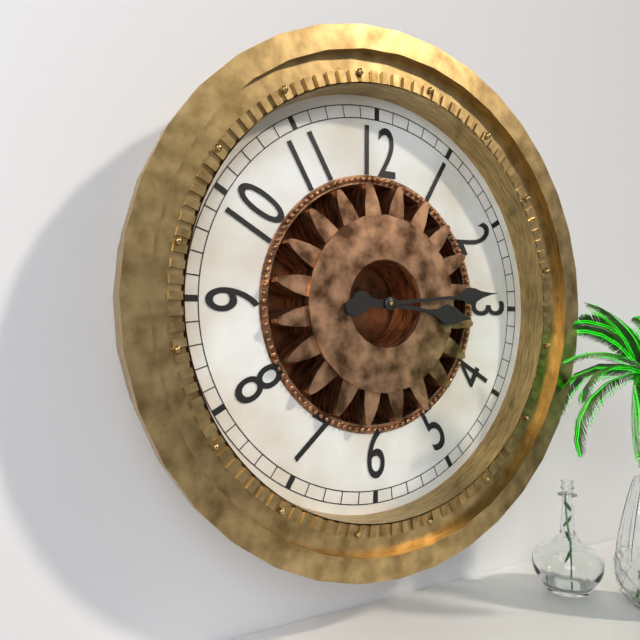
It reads 3h14
